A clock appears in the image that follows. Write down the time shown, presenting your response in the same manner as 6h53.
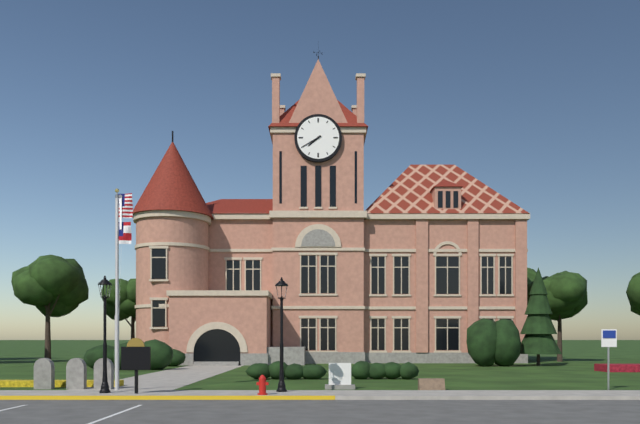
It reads 7h40
